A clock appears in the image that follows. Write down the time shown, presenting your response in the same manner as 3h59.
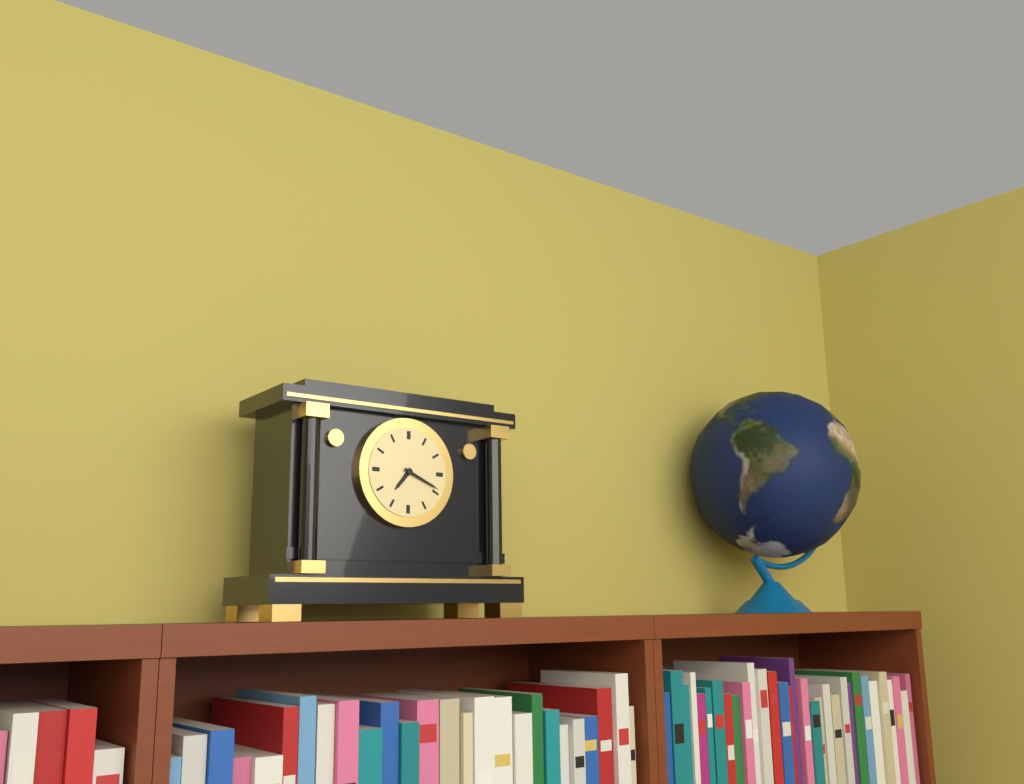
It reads 7h19
